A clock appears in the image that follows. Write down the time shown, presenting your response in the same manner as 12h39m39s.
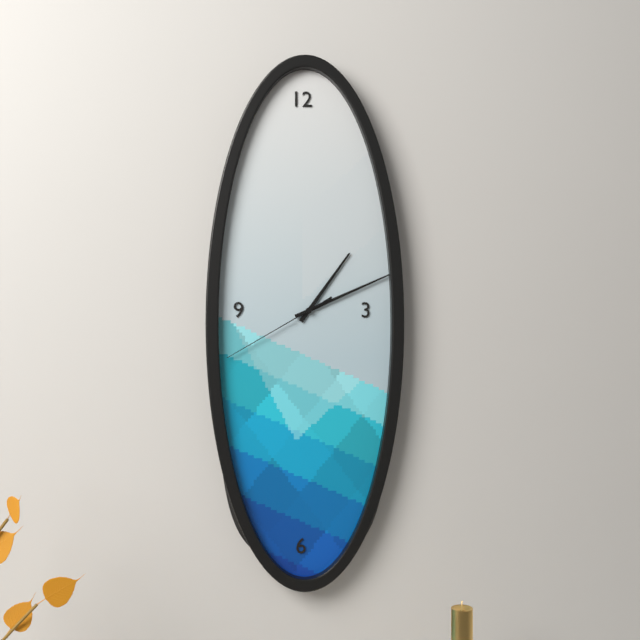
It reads 1h11m40s
